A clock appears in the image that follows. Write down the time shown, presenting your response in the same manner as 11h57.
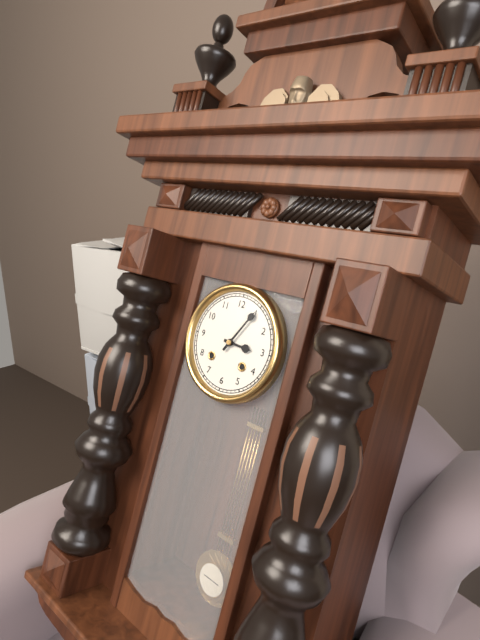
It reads 3h05
